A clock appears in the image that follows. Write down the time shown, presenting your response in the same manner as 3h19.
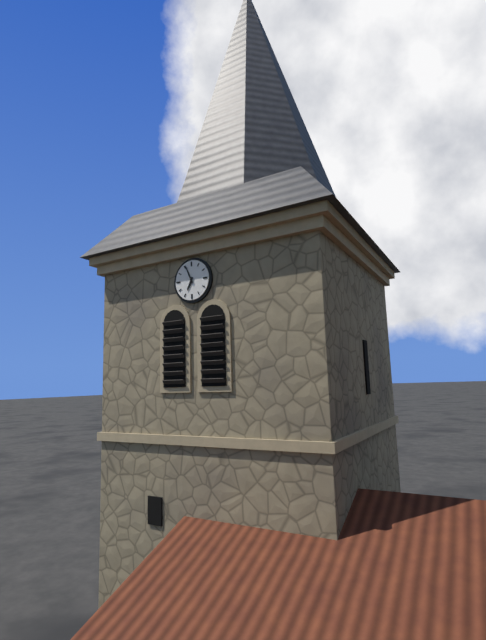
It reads 6h56
